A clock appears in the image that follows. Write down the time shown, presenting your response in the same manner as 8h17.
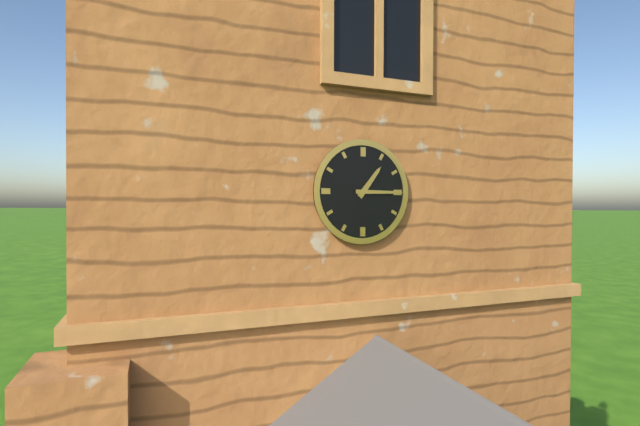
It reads 1h15
